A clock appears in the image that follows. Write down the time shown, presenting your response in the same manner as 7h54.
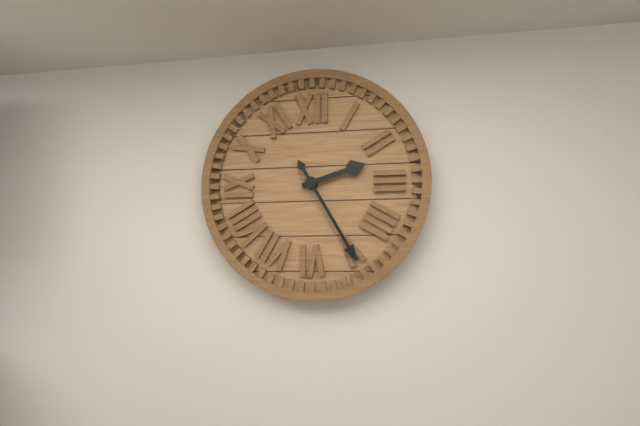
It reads 2h25
